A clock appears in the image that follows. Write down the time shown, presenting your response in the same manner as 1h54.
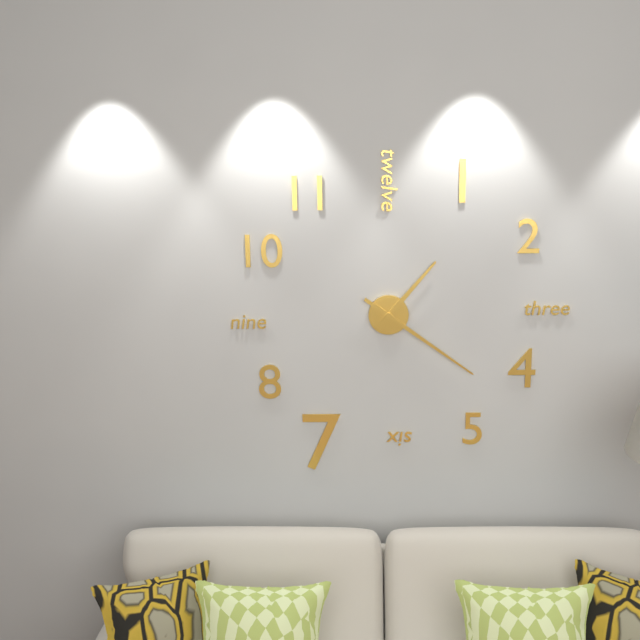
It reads 1h21
